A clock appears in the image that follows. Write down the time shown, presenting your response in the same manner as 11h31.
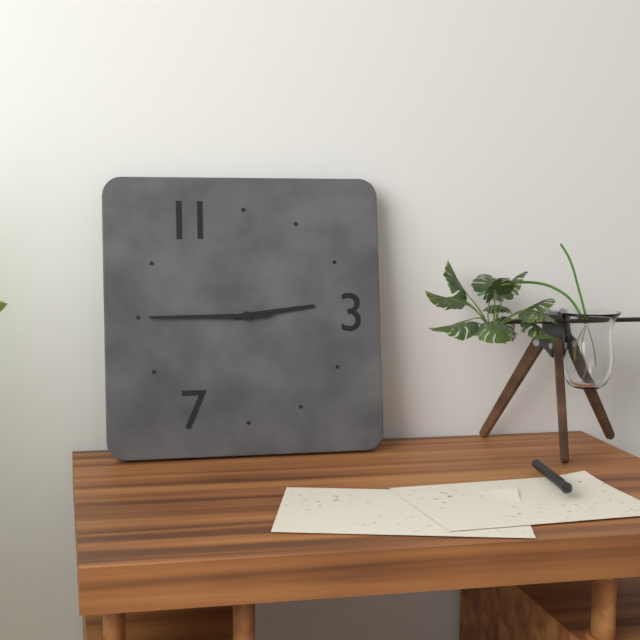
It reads 2h45
